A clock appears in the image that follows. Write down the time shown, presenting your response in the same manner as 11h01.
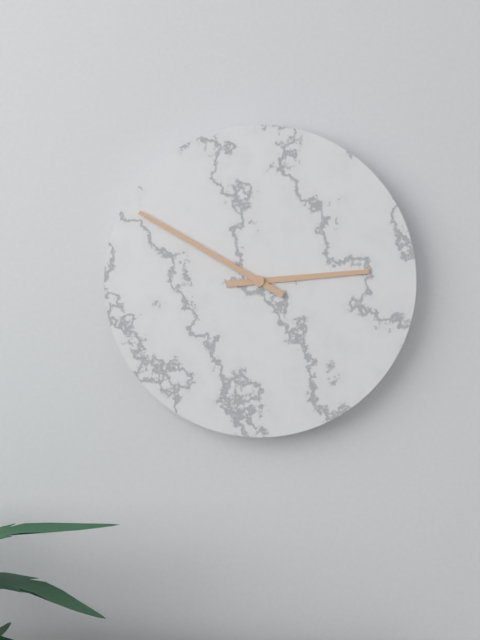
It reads 2h50
